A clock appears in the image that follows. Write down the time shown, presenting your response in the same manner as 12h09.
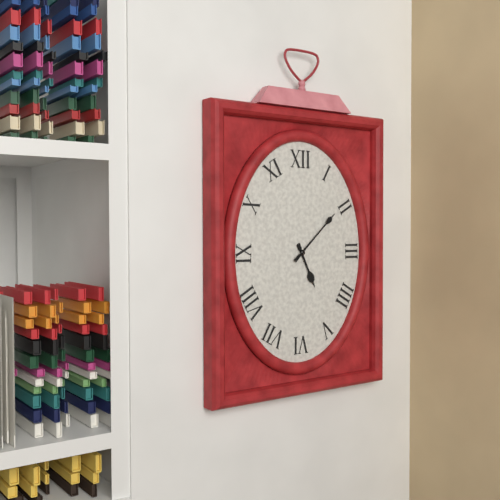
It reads 5h08
